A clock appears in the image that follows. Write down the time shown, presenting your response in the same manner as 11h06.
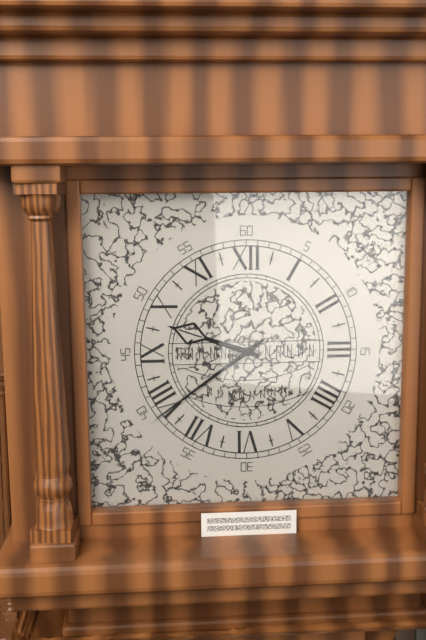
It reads 9h39
